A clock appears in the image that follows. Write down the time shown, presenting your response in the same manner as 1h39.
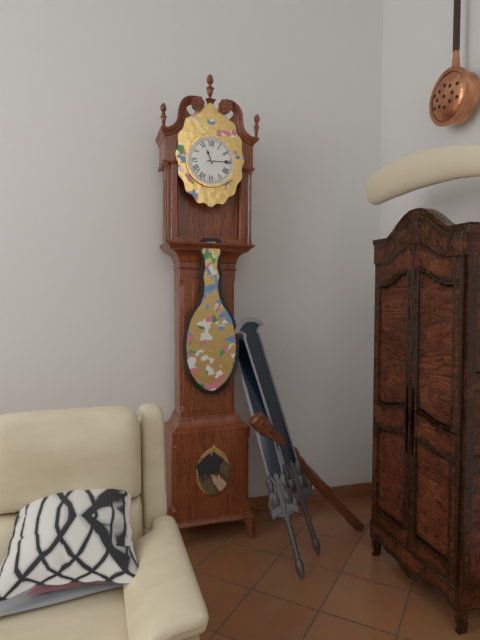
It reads 11h15
